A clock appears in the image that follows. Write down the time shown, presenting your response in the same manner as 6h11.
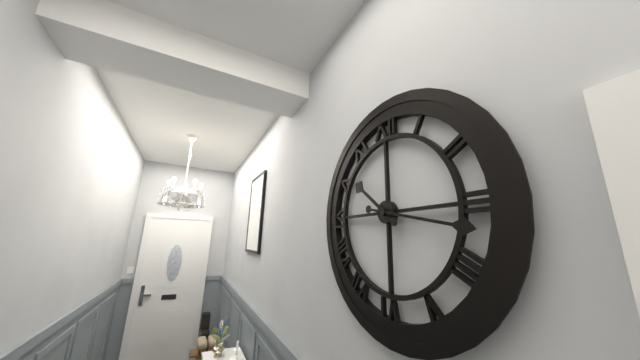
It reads 10h17
